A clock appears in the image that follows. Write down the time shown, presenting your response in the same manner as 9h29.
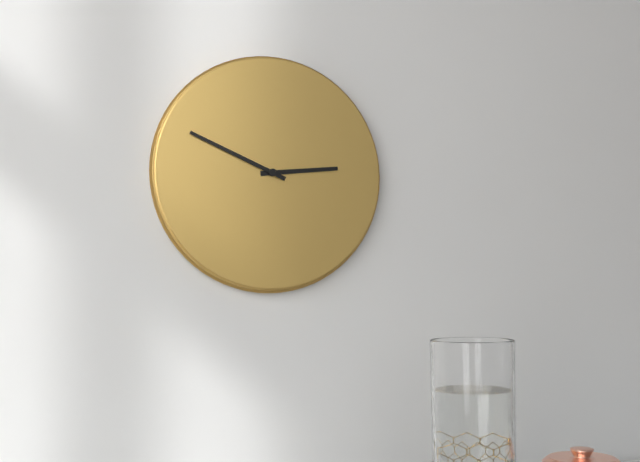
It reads 2h49
